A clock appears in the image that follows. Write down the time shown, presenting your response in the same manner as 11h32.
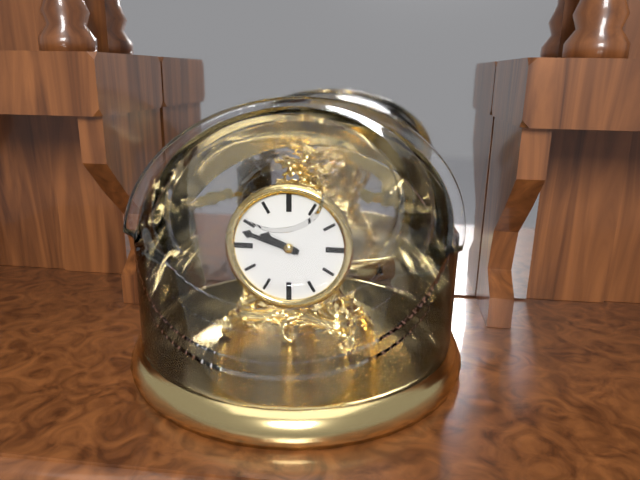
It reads 9h48
